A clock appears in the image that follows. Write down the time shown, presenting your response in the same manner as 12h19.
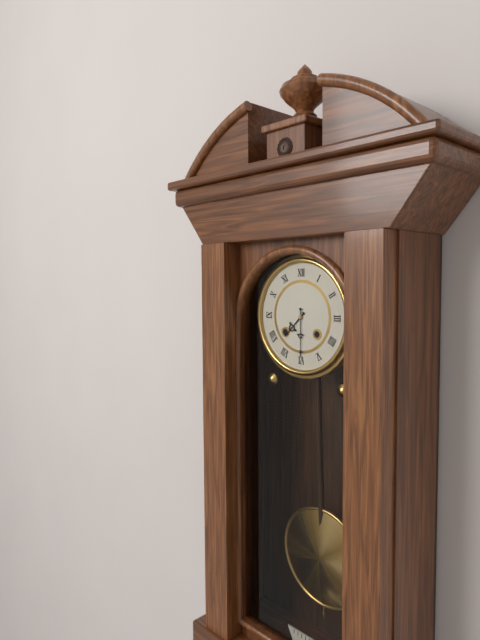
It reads 7h30
